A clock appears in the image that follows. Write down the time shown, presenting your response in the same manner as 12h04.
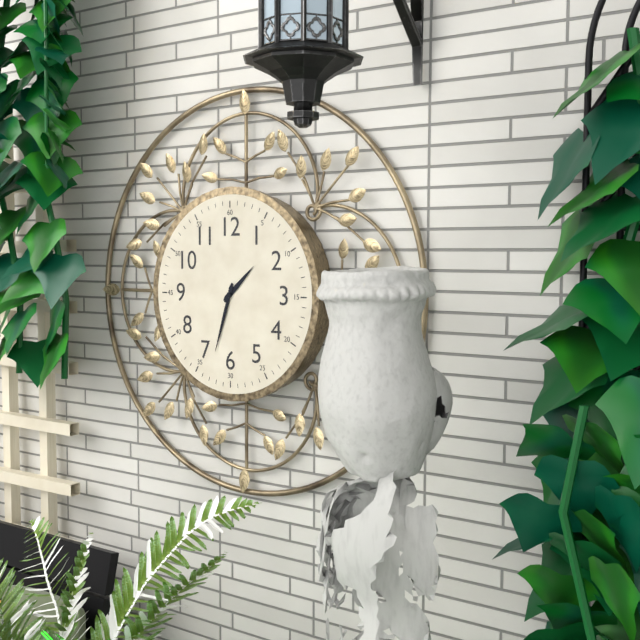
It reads 1h33
